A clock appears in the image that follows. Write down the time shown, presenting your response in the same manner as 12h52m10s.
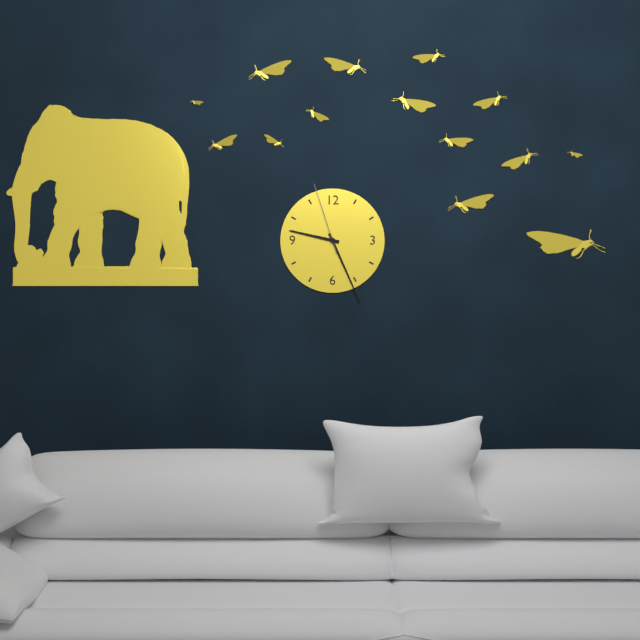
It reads 9h26m57s
